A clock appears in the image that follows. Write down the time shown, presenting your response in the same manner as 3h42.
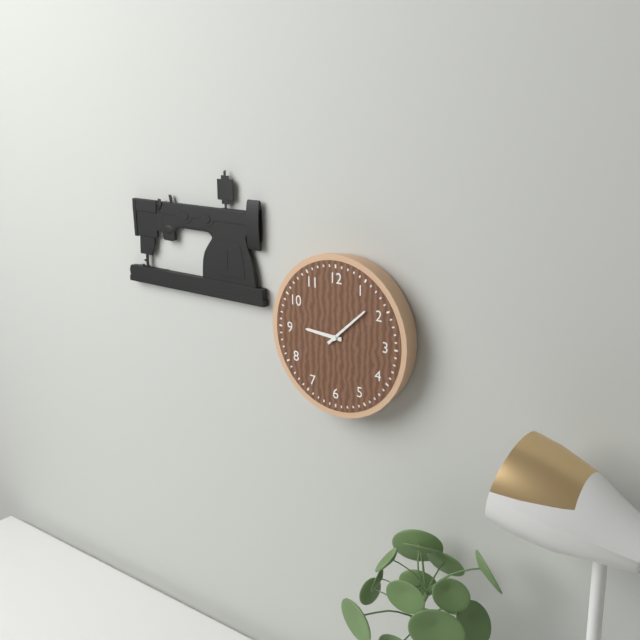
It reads 9h08
